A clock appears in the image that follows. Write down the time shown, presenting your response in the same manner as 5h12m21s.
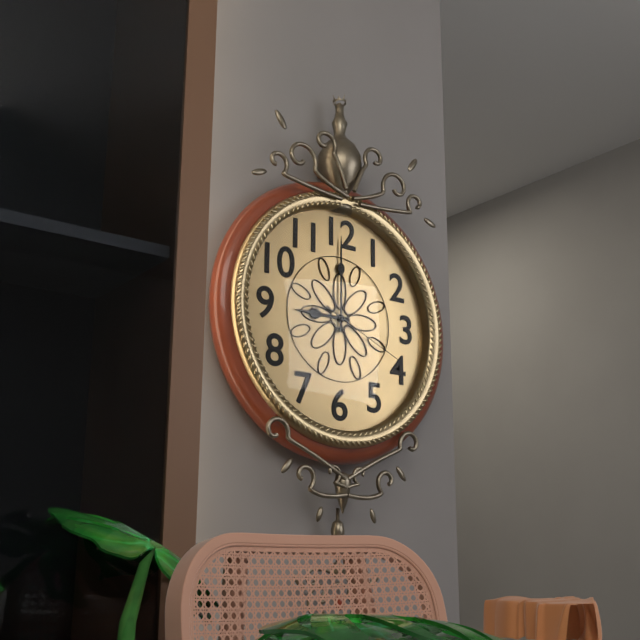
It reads 9h00m19s
